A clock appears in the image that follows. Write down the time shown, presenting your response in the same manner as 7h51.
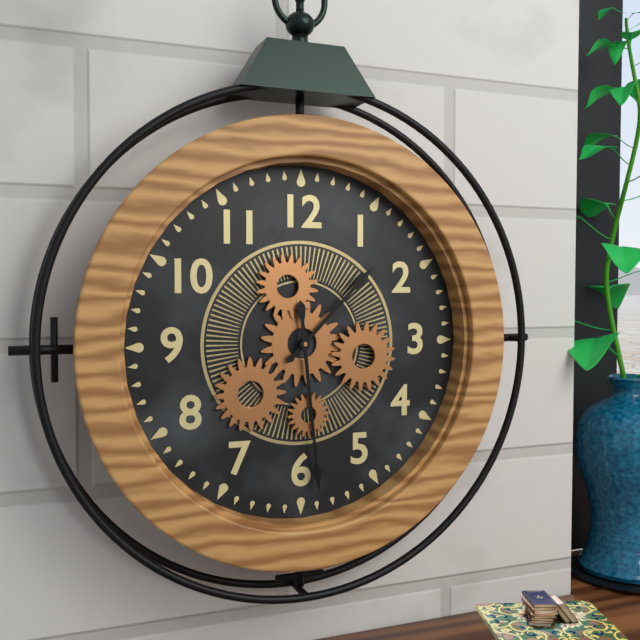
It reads 1h29
